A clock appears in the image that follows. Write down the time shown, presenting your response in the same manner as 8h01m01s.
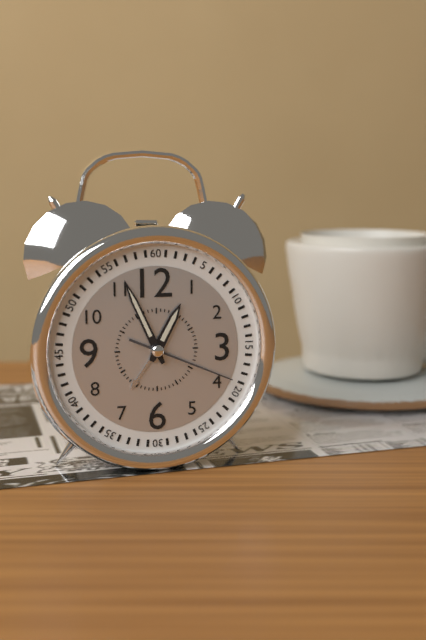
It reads 12h56m19s
